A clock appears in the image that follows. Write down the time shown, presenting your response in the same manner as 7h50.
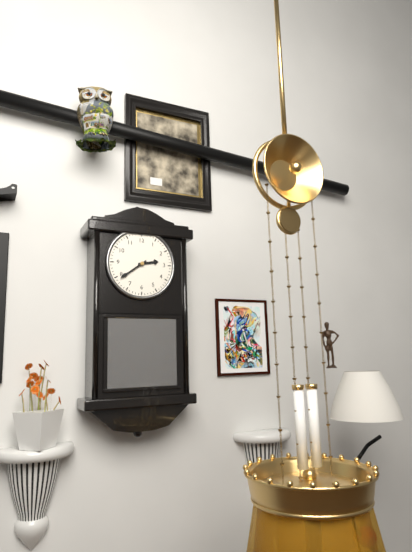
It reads 2h39
